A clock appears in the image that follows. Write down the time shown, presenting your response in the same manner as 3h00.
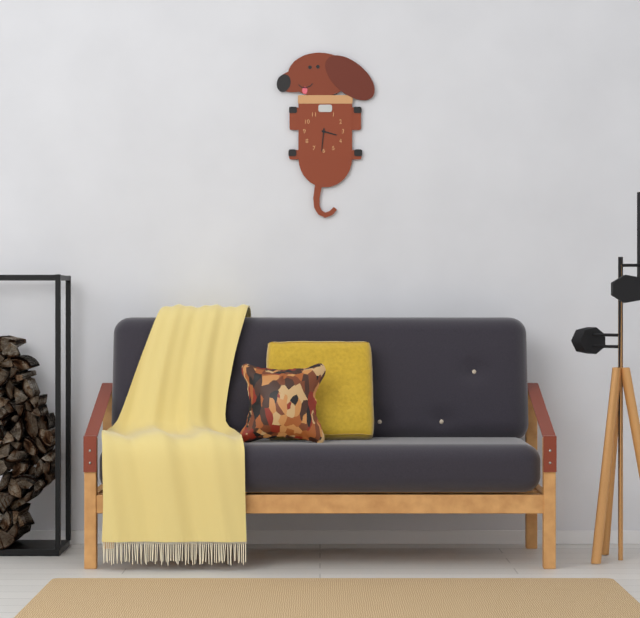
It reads 3h31
